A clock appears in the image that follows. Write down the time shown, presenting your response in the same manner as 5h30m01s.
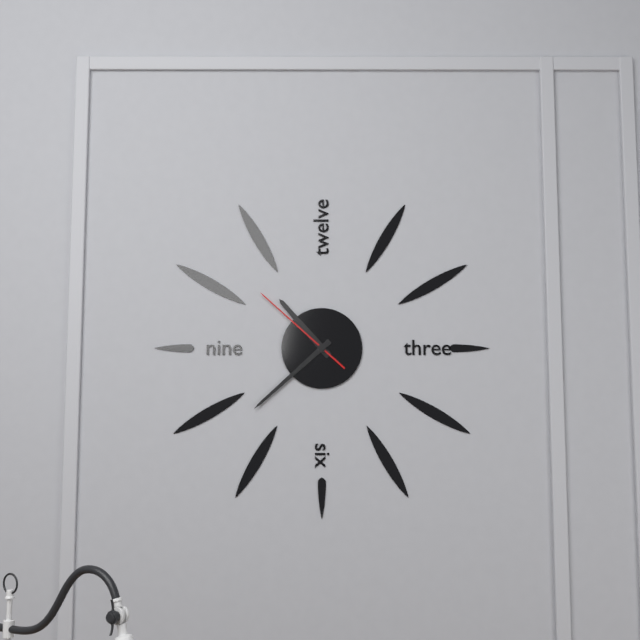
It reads 10h38m52s
